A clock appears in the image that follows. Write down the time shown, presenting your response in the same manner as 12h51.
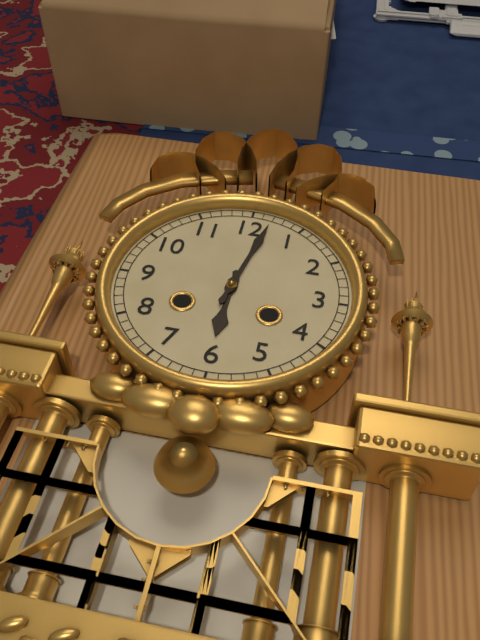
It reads 6h02
